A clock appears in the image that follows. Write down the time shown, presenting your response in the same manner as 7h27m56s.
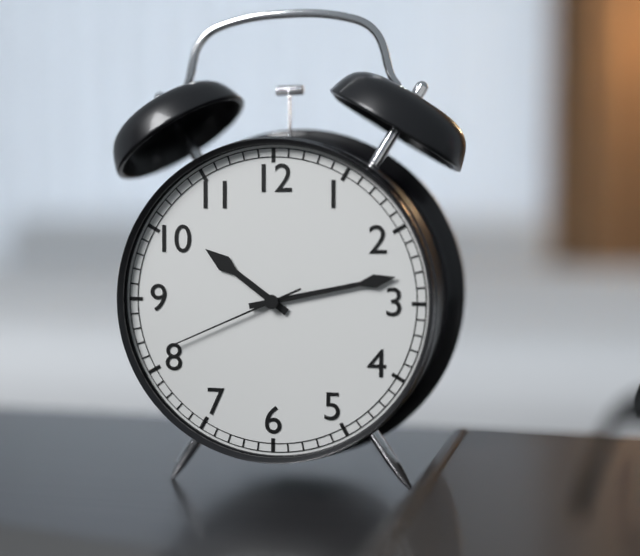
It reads 10h13m41s
